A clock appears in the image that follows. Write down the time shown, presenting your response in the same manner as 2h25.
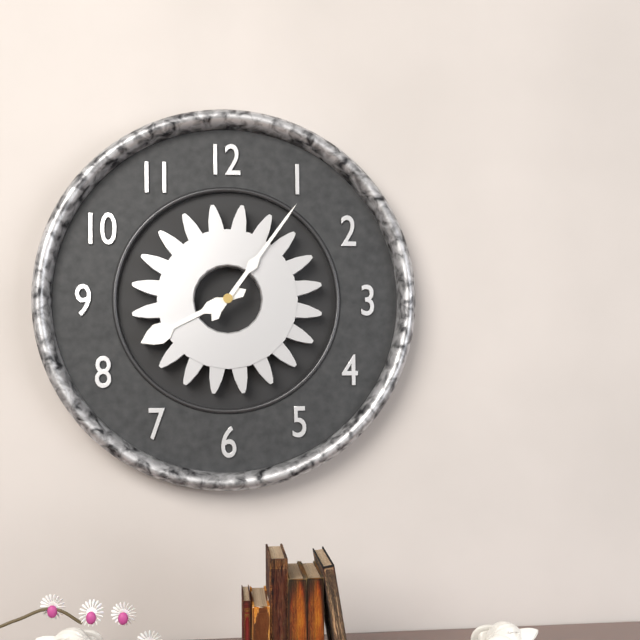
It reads 8h06
